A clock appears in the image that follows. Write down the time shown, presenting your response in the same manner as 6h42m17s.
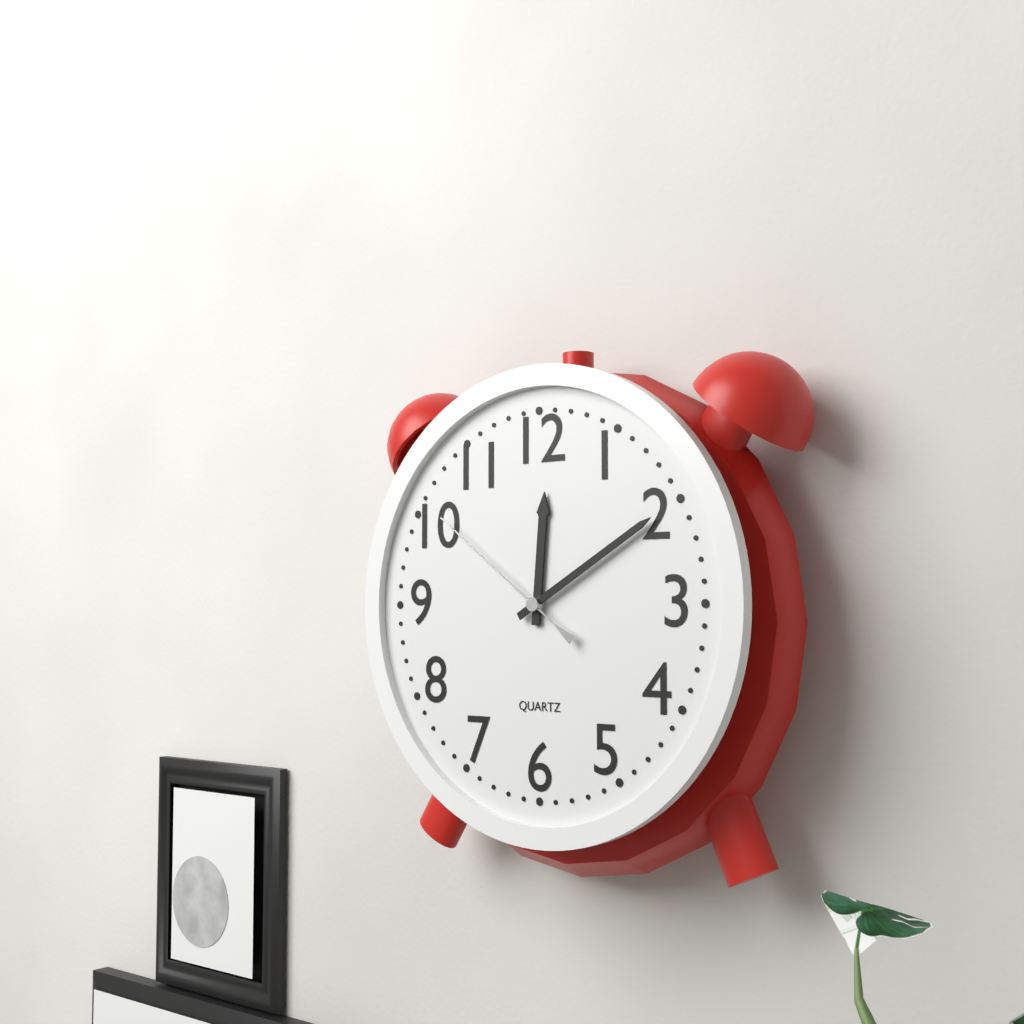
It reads 12h10m51s
